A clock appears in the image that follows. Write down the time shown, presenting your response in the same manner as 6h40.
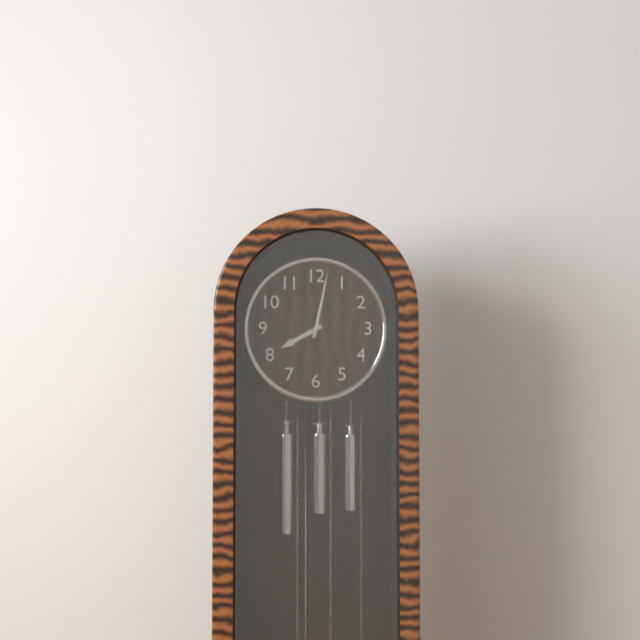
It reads 8h02
